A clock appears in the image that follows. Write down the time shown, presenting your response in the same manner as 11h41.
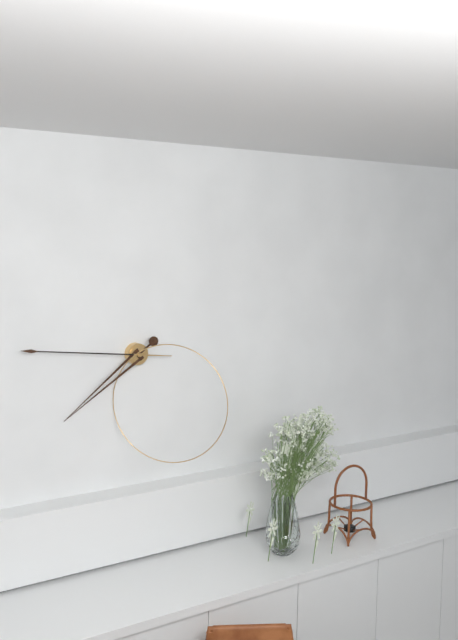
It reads 7h46
